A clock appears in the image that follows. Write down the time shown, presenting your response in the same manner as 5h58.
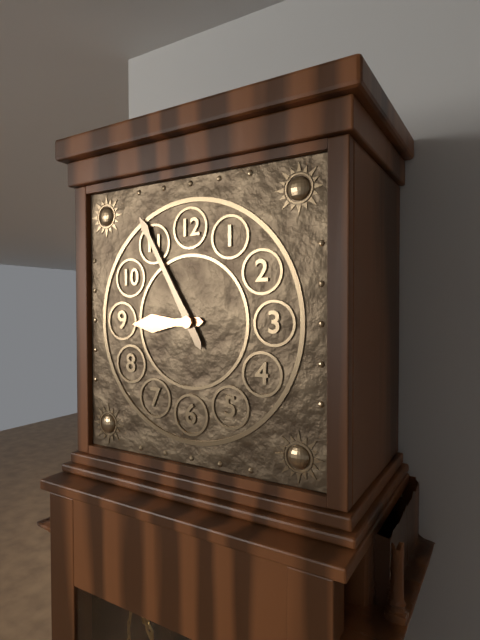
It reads 8h55
